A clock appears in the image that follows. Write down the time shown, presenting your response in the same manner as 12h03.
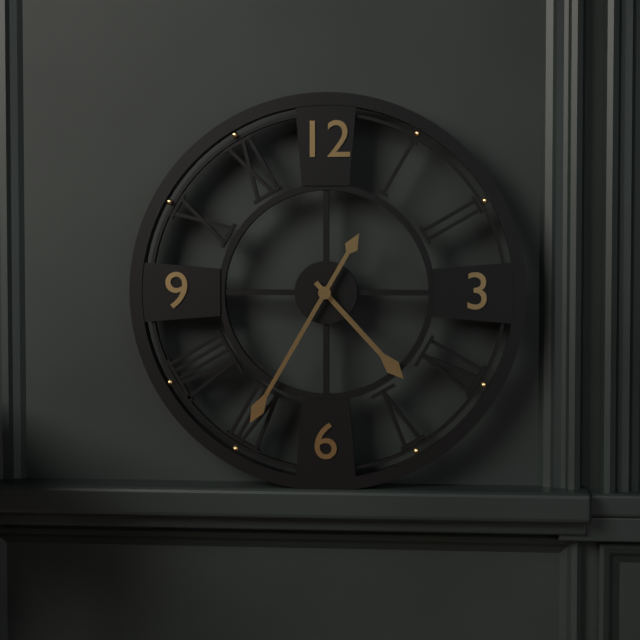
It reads 4h35
